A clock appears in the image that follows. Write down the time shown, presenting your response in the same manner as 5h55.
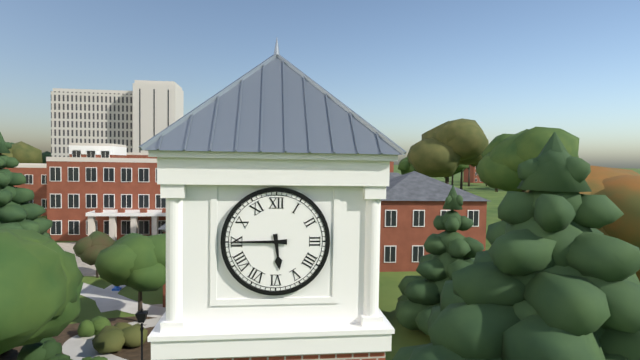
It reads 5h45
